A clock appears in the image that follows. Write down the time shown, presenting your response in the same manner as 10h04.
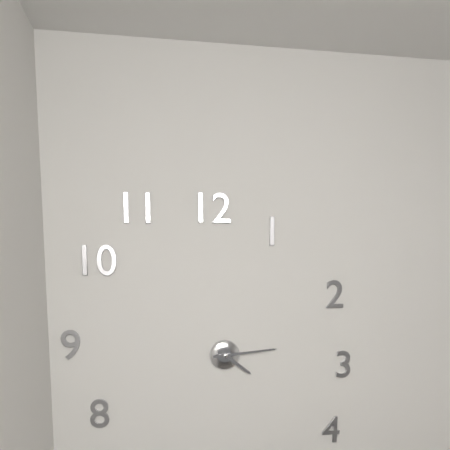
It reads 4h14
